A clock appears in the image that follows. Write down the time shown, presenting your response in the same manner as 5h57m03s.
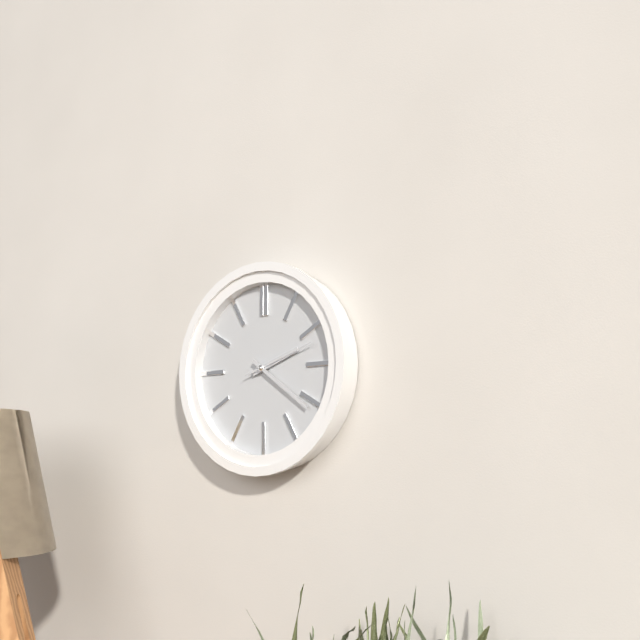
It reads 2h21m12s
